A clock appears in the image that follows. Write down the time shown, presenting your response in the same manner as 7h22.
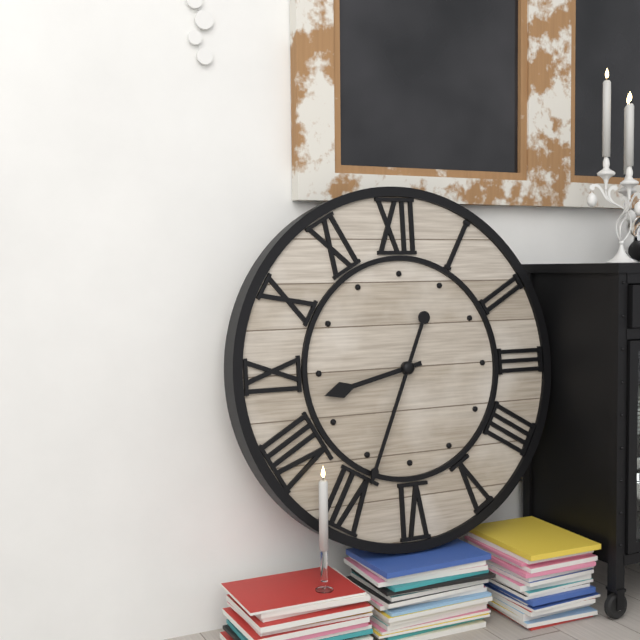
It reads 8h34
